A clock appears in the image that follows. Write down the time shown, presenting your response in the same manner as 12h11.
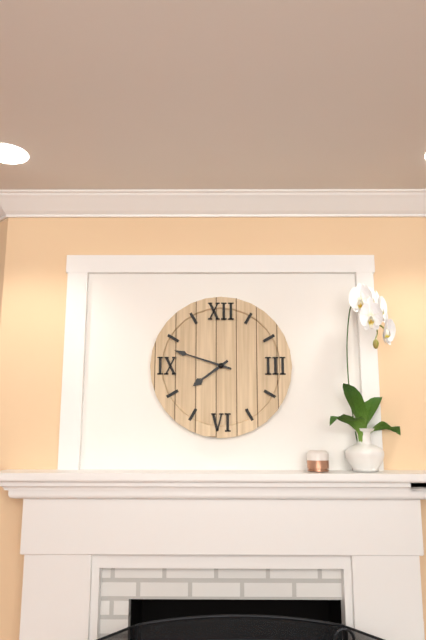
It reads 7h48
